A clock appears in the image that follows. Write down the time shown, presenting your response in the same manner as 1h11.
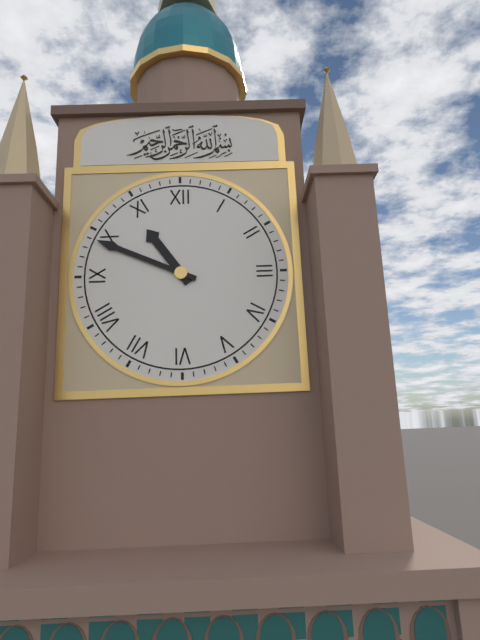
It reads 10h49
